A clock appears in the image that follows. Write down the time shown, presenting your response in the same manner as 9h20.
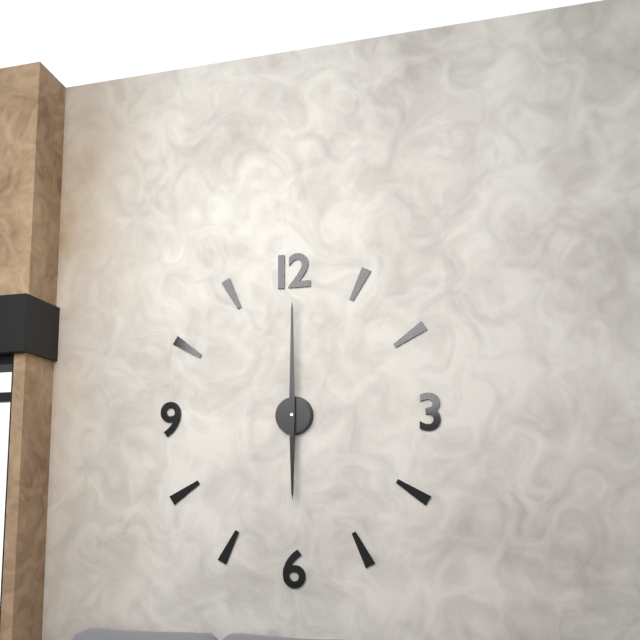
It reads 6h00
